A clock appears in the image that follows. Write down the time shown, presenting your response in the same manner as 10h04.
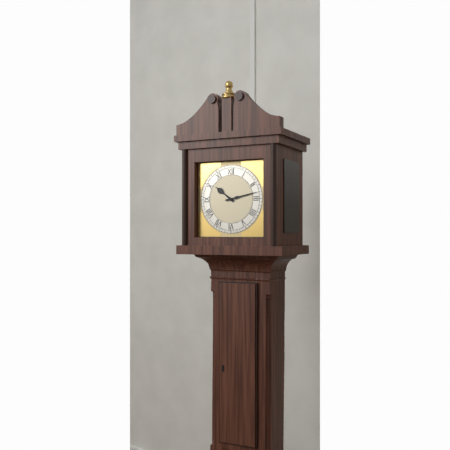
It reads 10h13
